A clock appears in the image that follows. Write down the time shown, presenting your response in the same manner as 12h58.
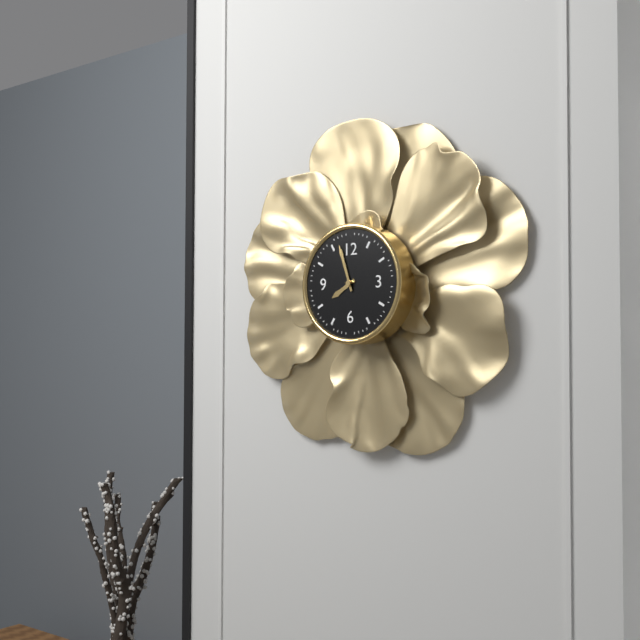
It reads 7h57
